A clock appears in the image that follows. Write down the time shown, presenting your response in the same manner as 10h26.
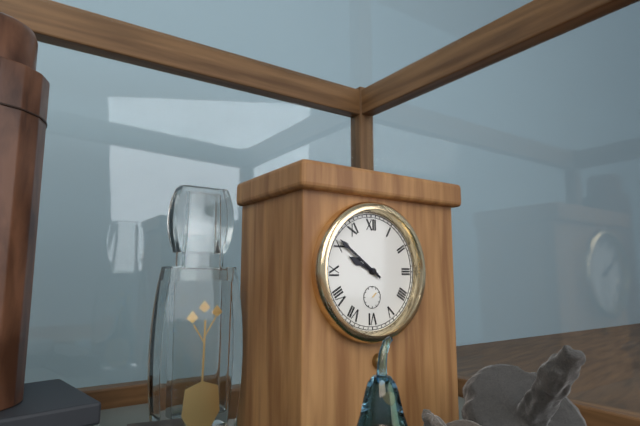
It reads 9h51
